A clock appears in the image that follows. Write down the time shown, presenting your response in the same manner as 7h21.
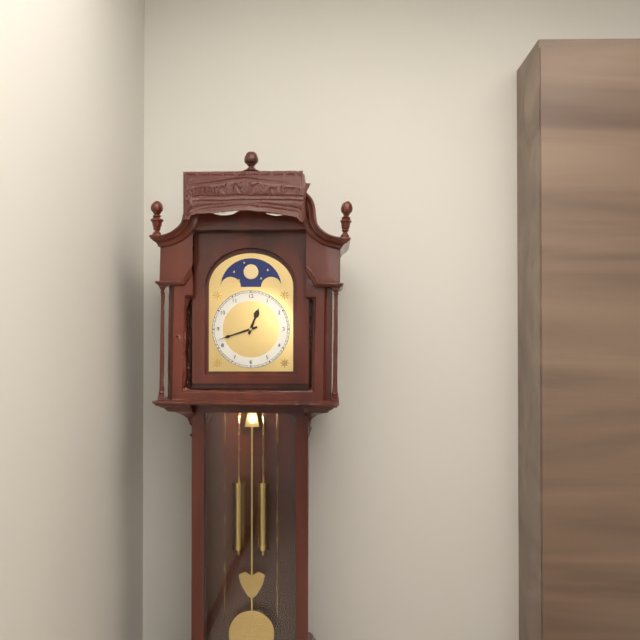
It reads 12h42
